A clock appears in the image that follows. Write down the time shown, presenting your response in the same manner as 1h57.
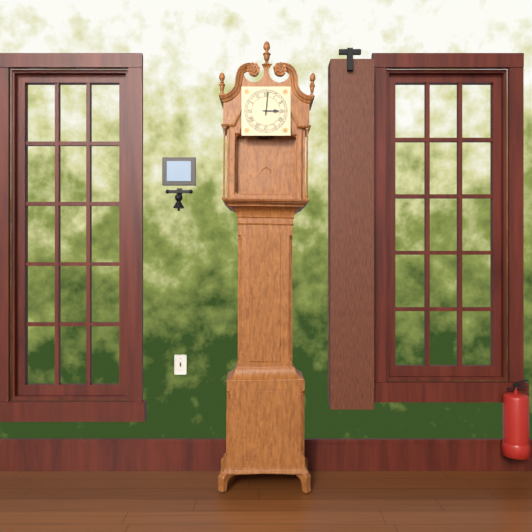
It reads 3h01
